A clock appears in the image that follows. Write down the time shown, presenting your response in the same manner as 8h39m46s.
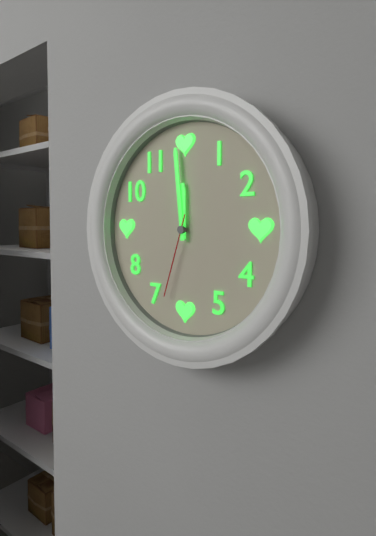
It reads 11h59m33s
